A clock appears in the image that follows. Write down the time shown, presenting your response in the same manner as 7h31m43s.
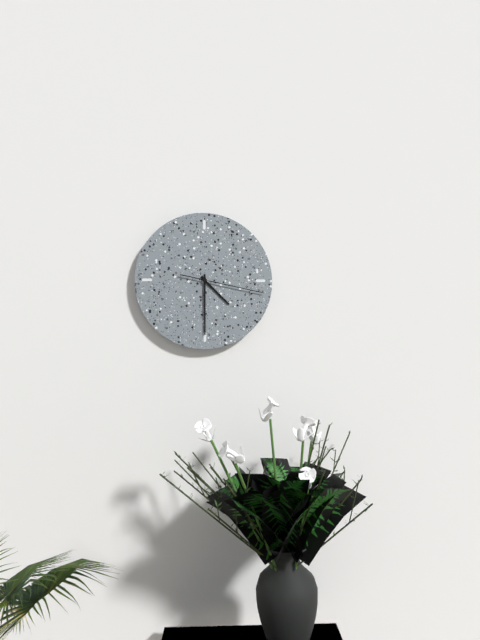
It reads 4h30m17s
